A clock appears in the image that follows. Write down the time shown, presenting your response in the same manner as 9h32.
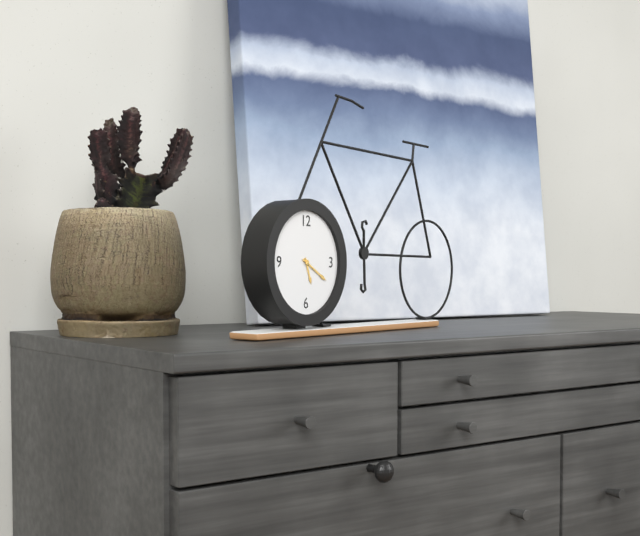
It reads 5h20
